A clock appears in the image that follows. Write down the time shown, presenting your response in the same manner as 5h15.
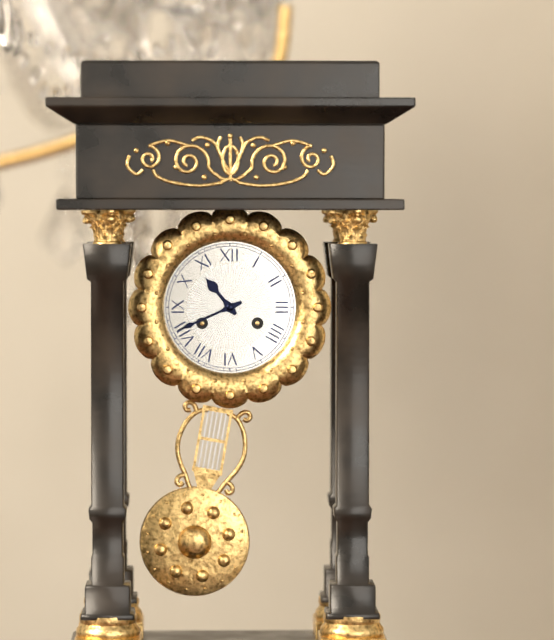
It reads 10h41
